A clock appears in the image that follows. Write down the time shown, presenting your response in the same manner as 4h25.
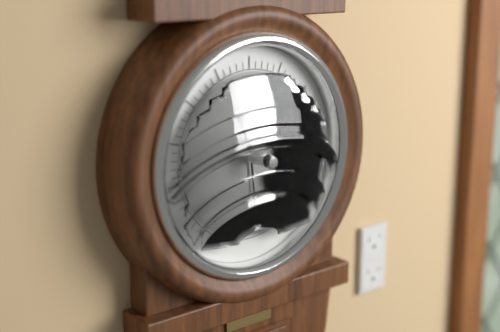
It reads 11h29
